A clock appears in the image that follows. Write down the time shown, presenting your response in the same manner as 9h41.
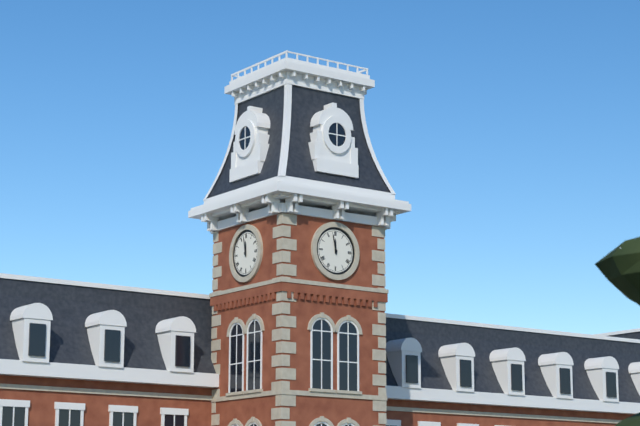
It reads 11h58
